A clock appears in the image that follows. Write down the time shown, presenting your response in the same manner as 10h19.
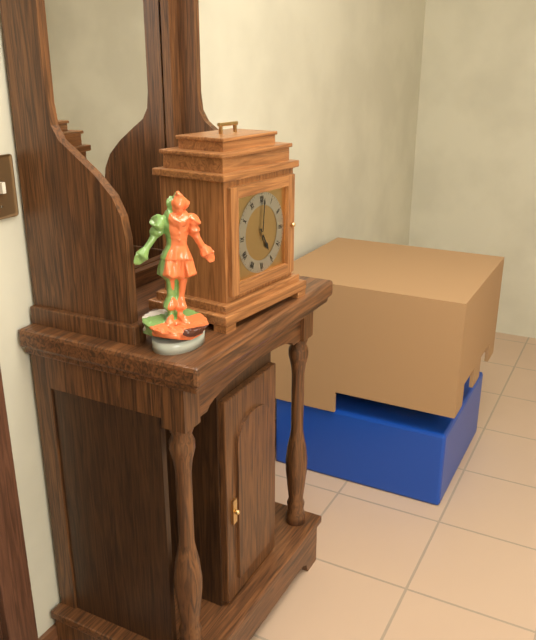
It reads 5h01
